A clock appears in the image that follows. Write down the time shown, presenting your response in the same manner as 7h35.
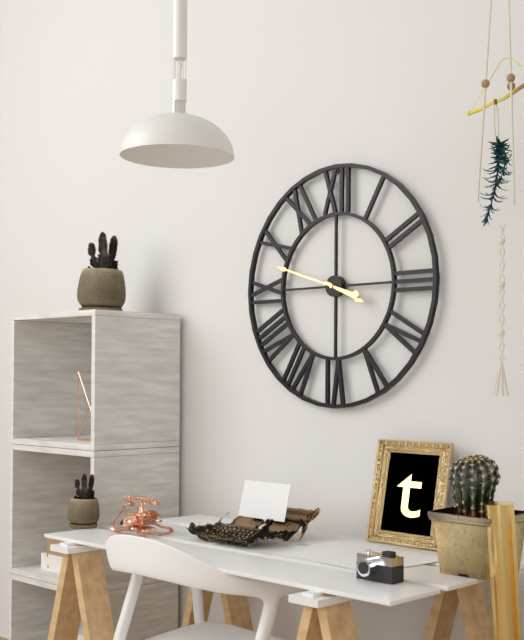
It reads 3h48
